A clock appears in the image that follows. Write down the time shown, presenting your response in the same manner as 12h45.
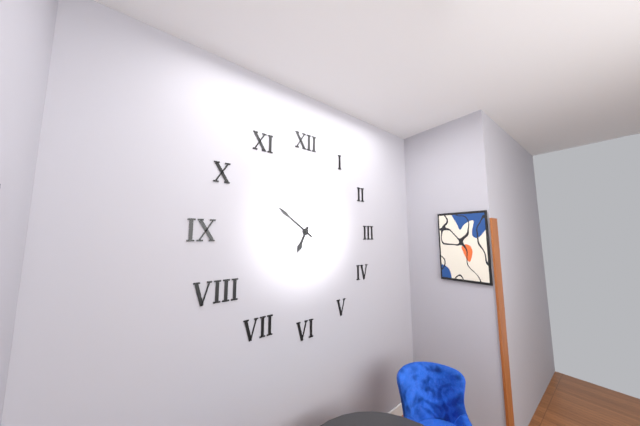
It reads 6h51
